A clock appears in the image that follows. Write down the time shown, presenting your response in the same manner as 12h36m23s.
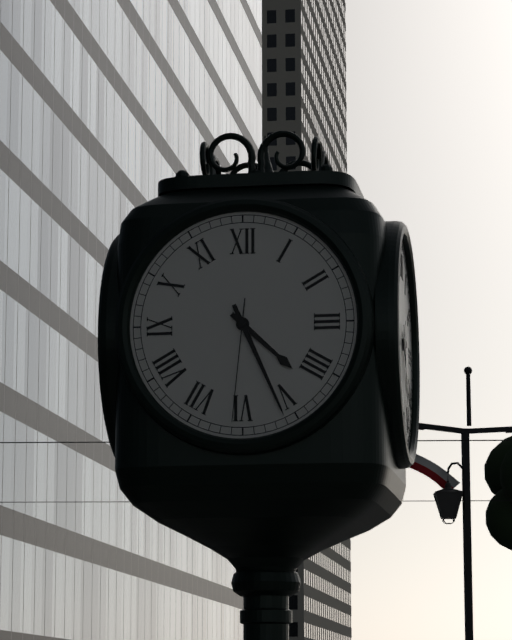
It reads 4h26m31s
